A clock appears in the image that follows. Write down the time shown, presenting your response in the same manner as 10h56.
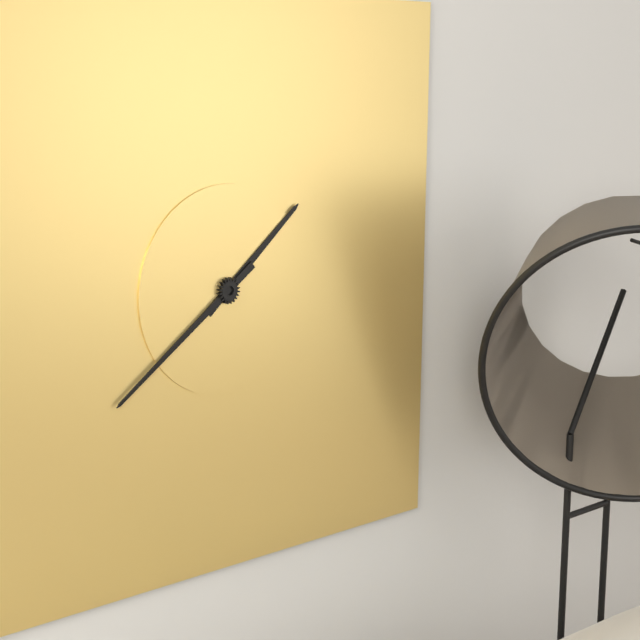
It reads 1h39
